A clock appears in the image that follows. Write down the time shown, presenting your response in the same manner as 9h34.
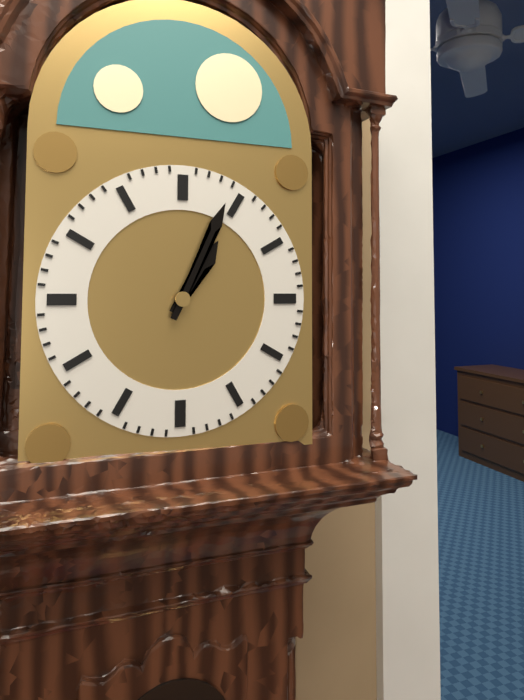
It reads 1h04
